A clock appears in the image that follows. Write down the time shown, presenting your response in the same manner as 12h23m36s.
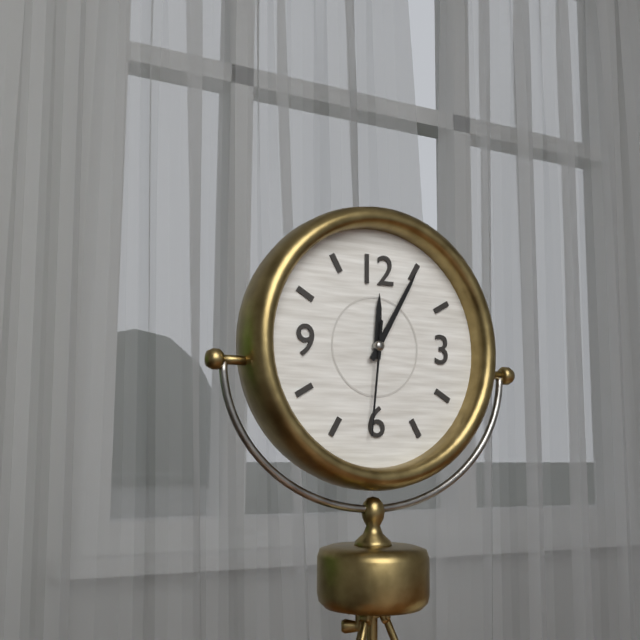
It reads 12h05m31s
